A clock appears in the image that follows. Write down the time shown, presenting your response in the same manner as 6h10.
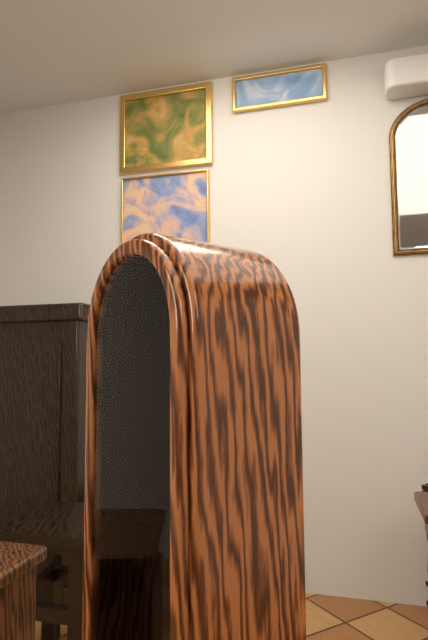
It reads 11h20
